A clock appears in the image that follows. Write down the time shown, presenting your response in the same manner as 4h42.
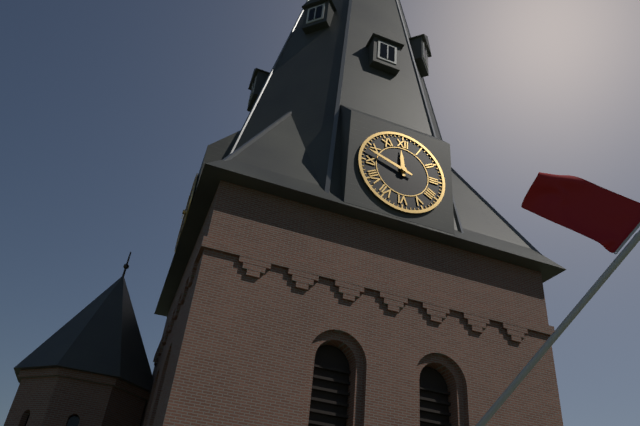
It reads 11h48
